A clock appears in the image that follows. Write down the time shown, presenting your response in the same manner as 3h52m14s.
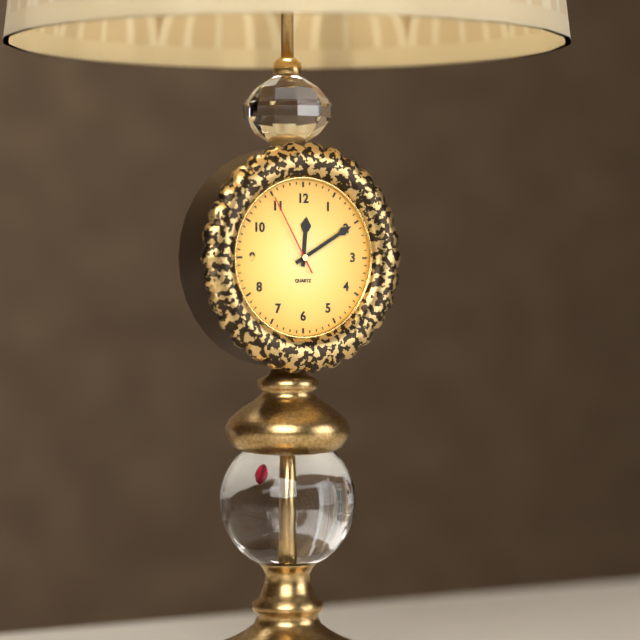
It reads 12h10m55s
